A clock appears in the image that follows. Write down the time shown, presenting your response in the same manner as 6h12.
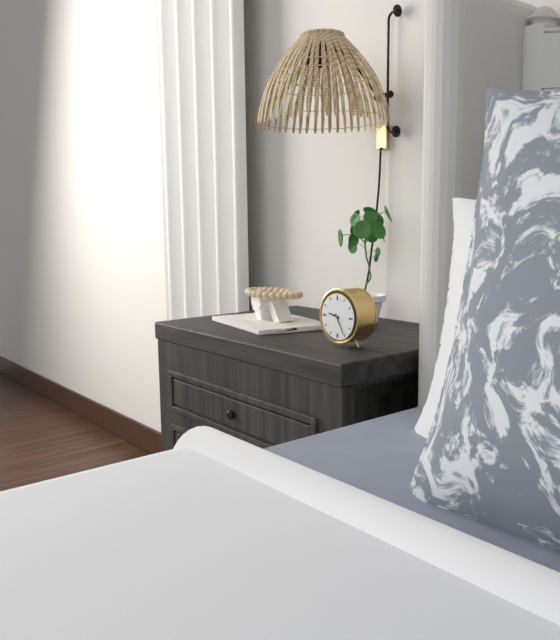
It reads 9h25
